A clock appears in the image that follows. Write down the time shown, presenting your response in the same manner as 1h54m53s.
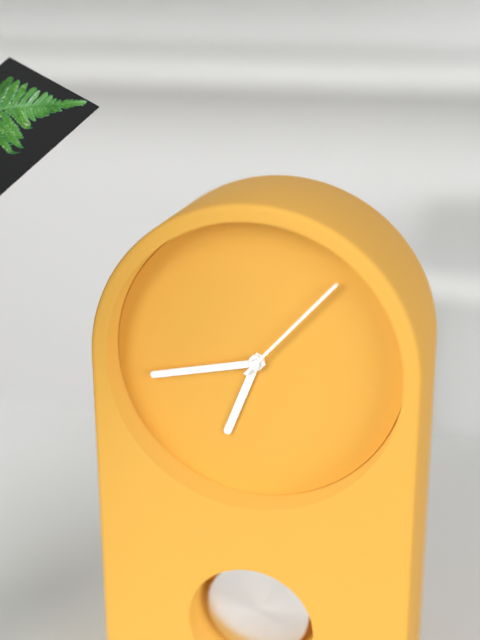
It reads 6h43m07s
